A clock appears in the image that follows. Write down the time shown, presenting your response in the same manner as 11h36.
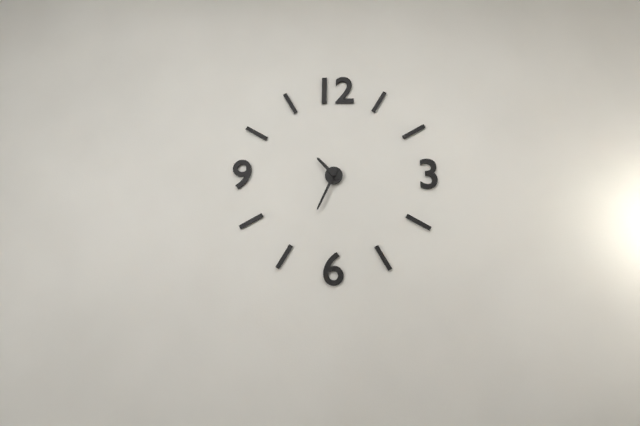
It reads 10h34
